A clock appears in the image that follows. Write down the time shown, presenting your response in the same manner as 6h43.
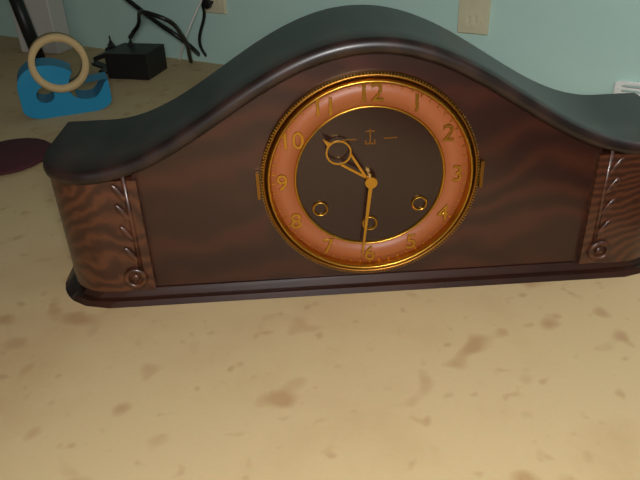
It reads 10h31
